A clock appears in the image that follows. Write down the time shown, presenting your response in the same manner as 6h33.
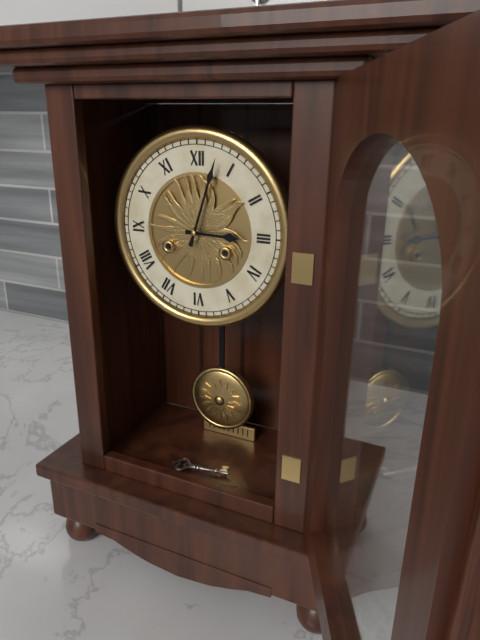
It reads 3h03
